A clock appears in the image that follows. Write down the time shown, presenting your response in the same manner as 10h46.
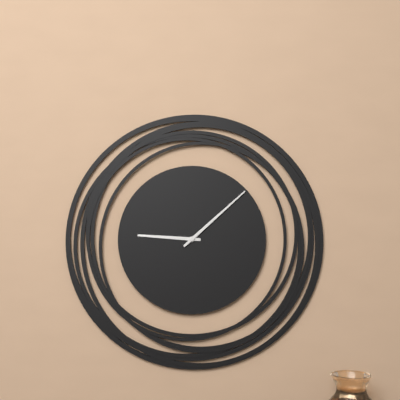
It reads 9h08
